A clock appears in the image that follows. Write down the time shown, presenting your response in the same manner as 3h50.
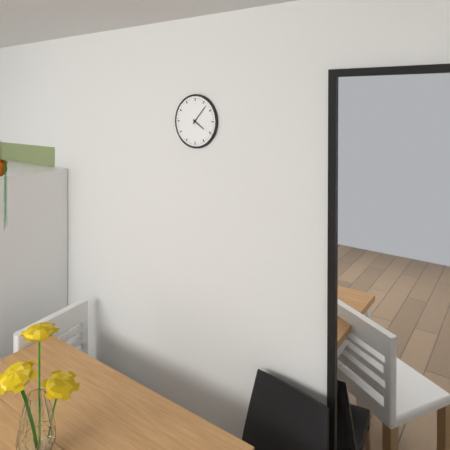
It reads 4h07
